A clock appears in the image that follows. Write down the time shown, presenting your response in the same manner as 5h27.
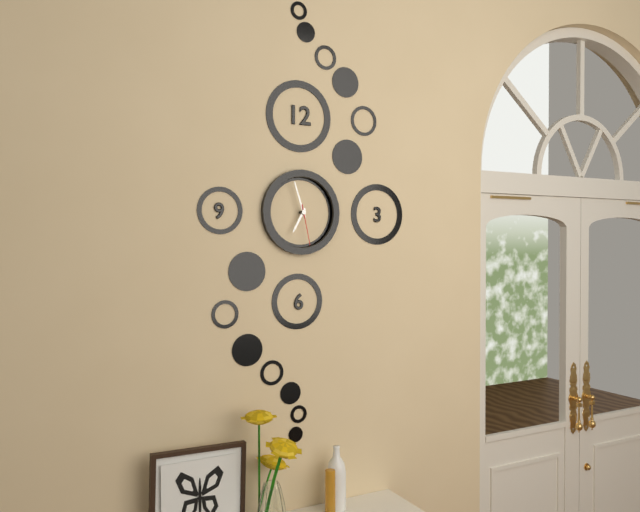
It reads 6h57
